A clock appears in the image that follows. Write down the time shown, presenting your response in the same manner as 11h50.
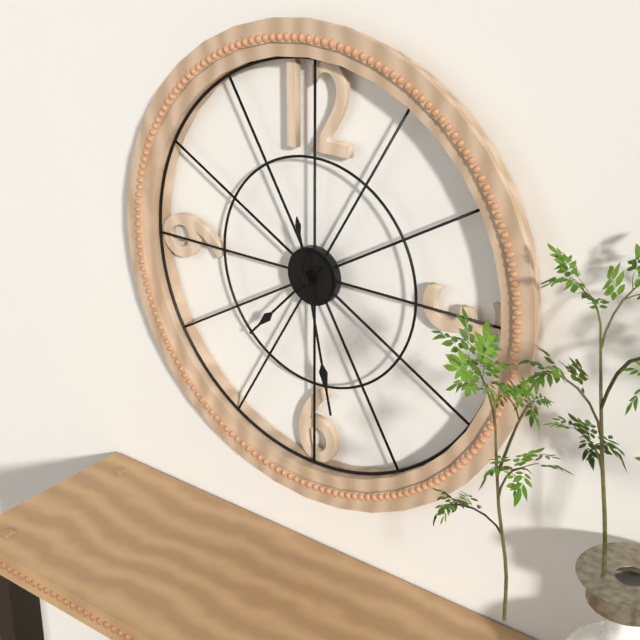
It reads 7h28
